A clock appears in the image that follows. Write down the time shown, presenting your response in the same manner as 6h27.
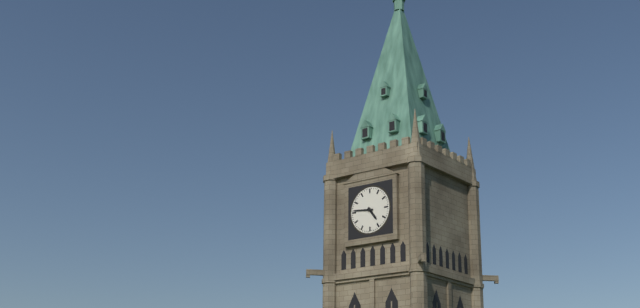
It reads 4h46
